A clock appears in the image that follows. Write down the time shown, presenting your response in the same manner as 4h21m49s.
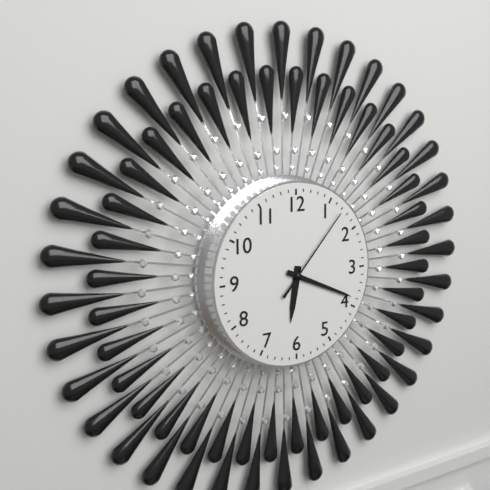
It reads 6h19m07s
